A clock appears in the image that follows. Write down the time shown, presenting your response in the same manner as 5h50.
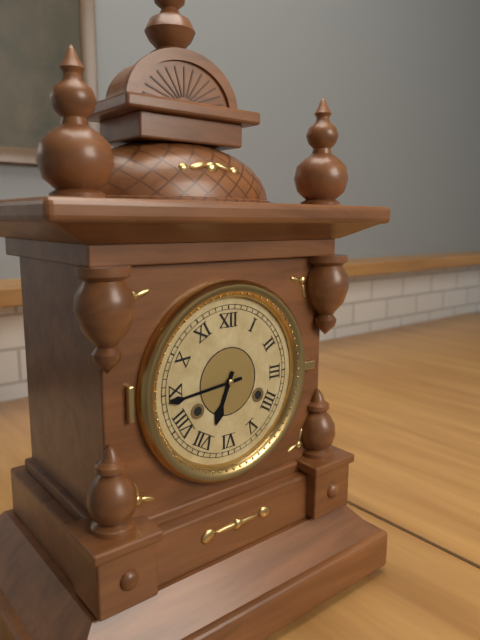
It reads 6h44
